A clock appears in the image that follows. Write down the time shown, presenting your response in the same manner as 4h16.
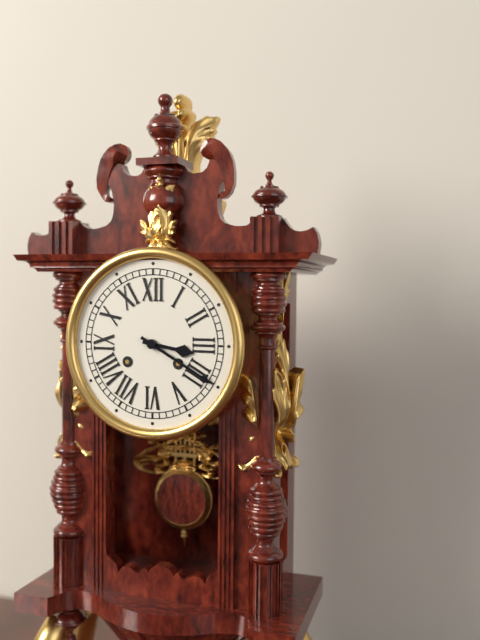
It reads 3h20
